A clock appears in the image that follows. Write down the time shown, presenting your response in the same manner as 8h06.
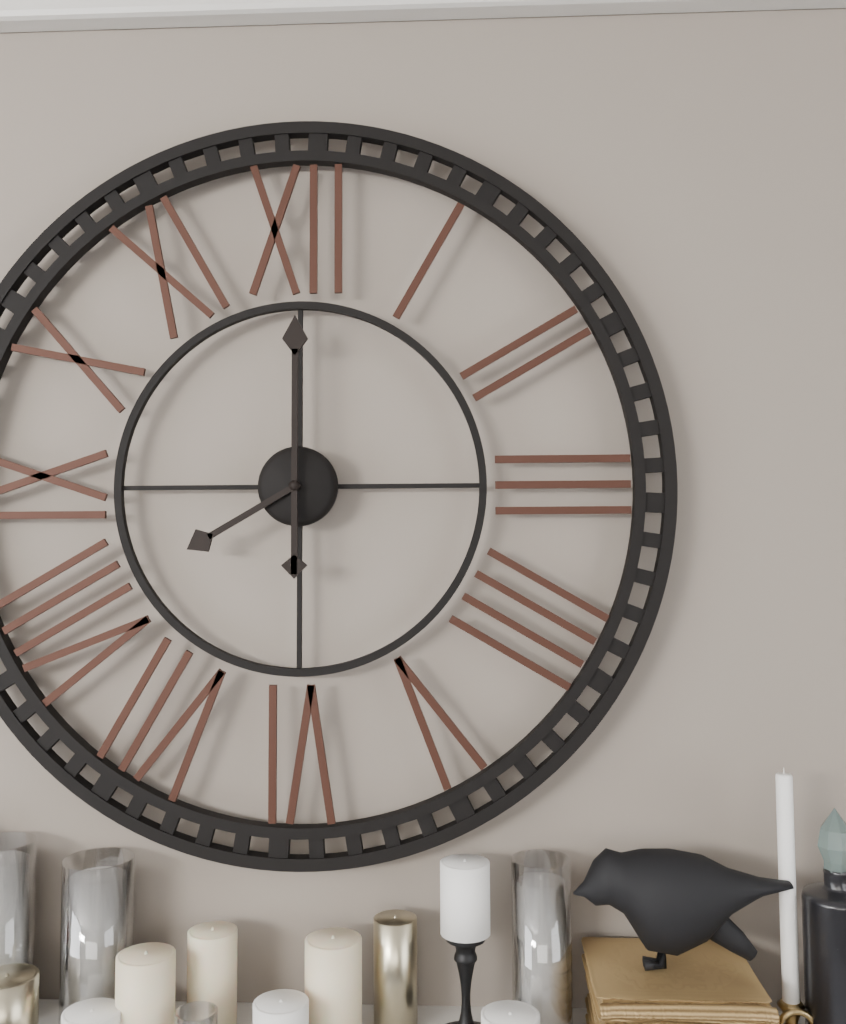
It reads 8h00
